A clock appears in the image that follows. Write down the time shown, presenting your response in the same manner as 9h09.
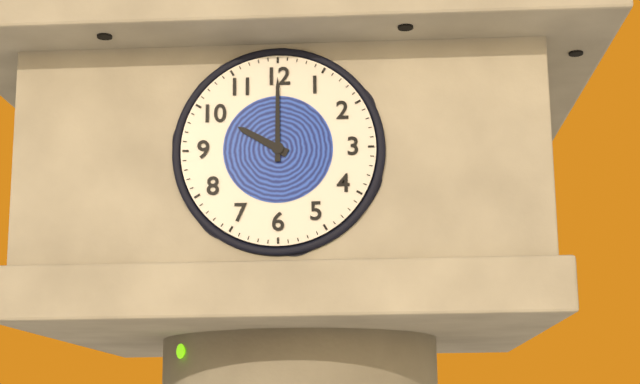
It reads 10h00
